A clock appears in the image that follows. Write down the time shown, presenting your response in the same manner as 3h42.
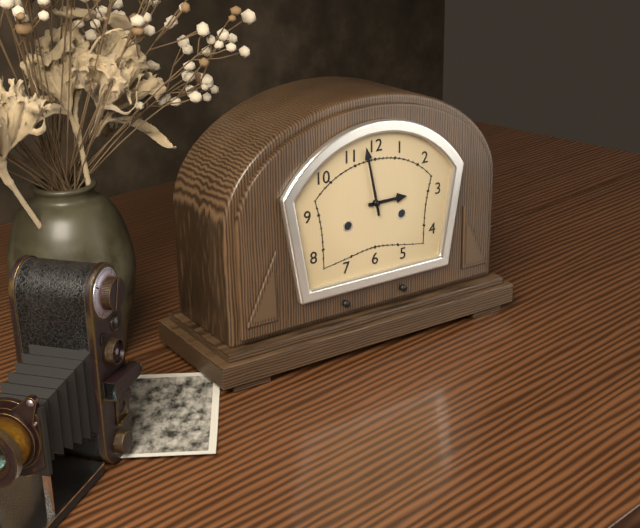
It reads 2h58
